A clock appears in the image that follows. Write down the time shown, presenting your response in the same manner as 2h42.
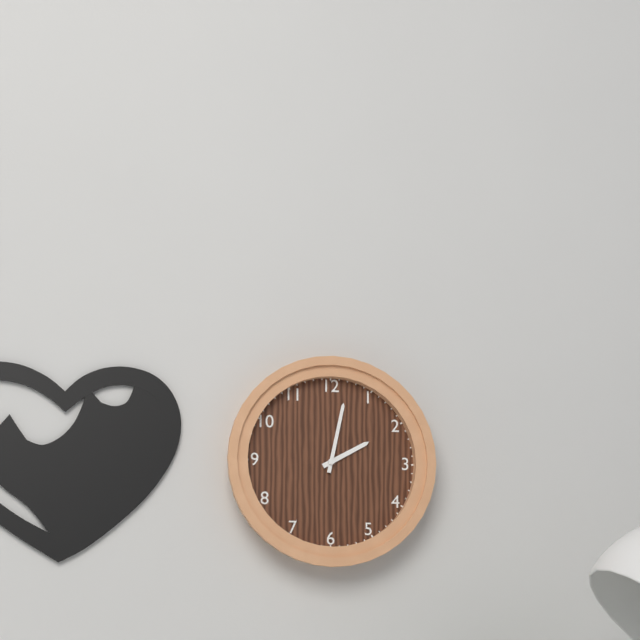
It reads 2h02
